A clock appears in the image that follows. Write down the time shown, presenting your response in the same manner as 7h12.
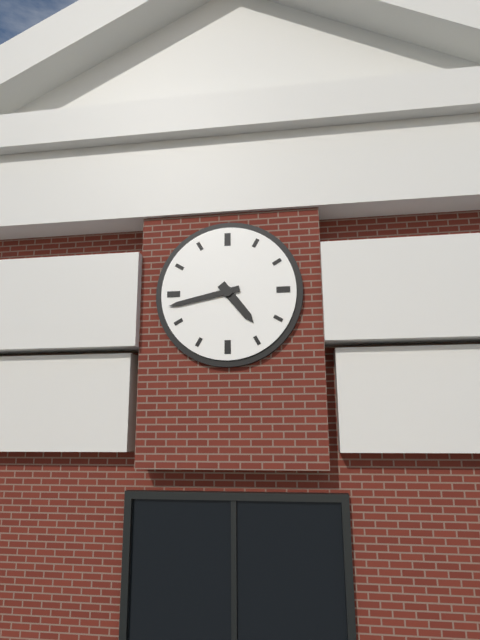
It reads 4h43
